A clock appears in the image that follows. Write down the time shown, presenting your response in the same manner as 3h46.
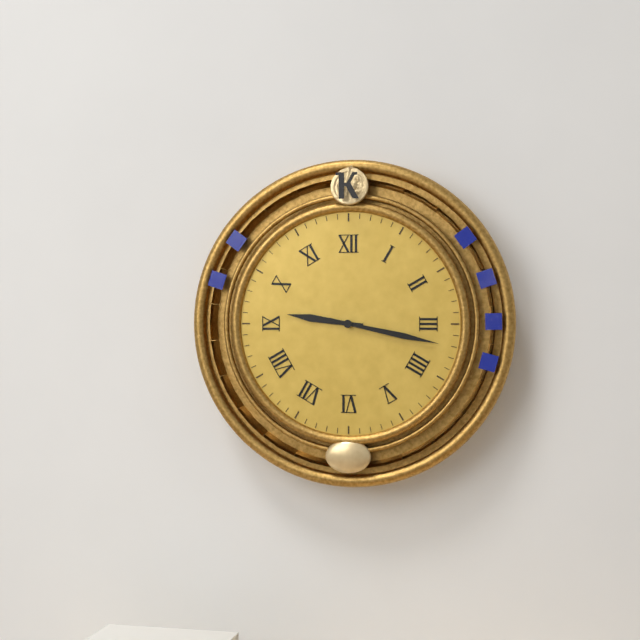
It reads 9h17
